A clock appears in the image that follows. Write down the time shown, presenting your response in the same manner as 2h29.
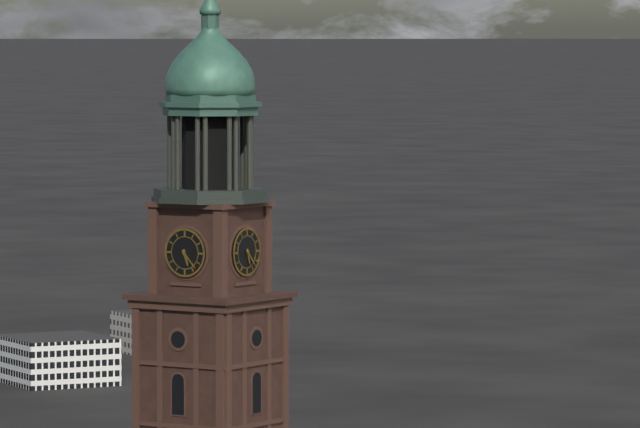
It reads 5h23
